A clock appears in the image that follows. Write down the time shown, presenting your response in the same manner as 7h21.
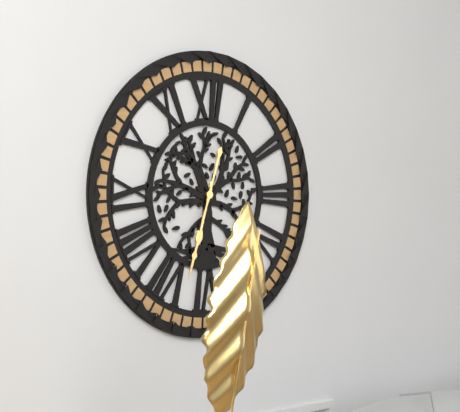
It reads 6h33
